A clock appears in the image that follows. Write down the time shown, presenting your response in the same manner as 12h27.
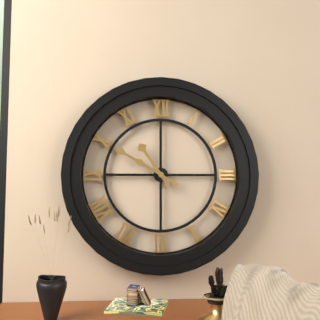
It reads 10h50
